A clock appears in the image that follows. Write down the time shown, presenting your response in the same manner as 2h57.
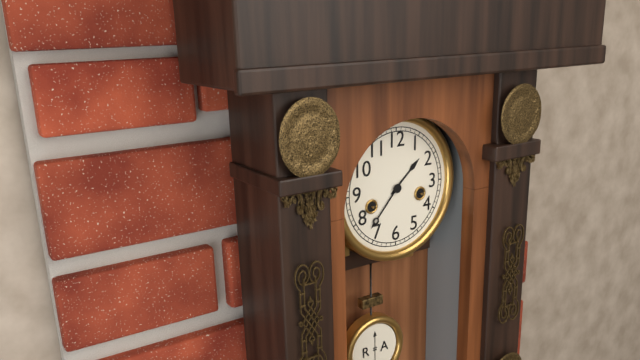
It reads 1h37
